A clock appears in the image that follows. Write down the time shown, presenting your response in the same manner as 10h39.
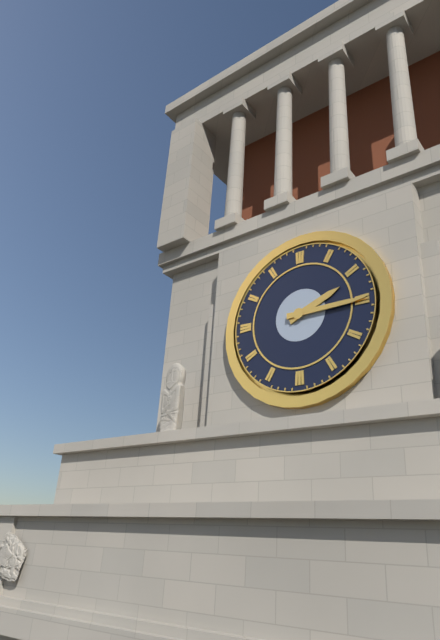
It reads 2h15
